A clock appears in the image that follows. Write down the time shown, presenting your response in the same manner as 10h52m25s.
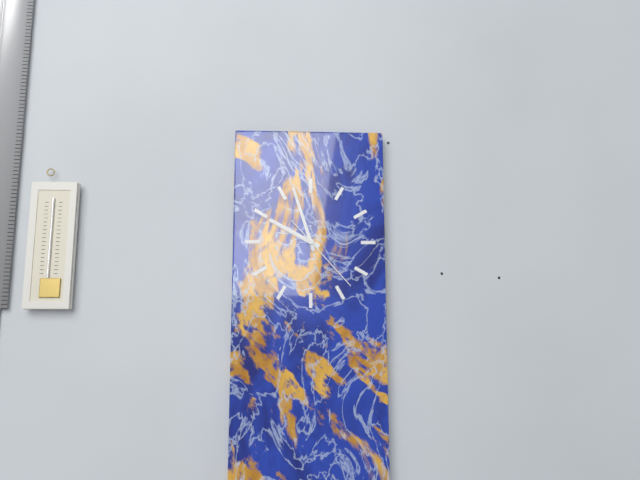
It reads 9h57m23s
